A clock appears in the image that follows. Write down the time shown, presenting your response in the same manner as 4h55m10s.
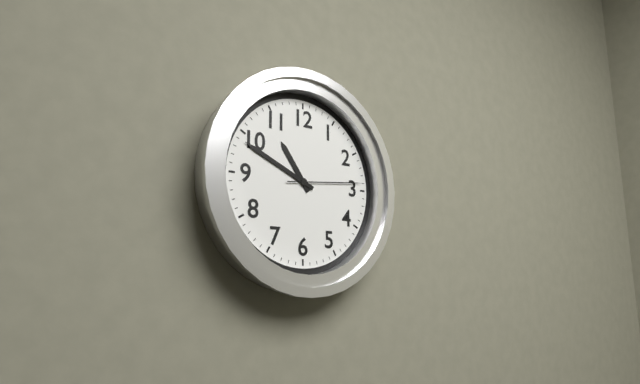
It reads 10h49m14s
